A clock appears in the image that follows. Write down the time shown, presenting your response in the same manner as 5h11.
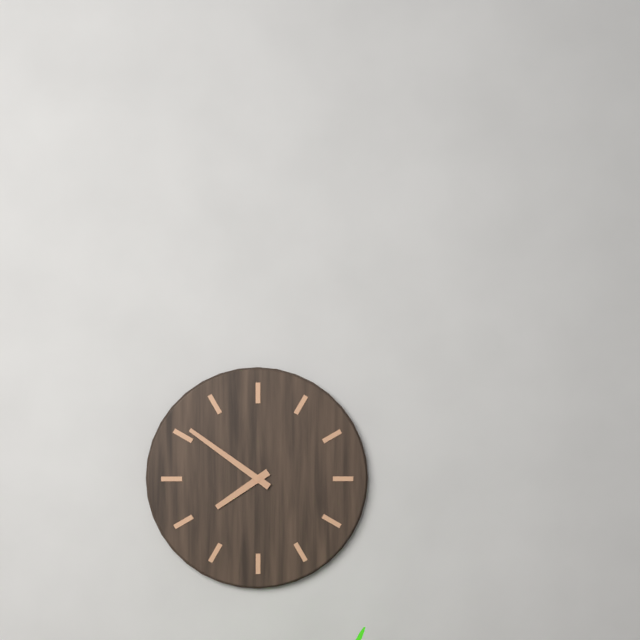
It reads 7h51
